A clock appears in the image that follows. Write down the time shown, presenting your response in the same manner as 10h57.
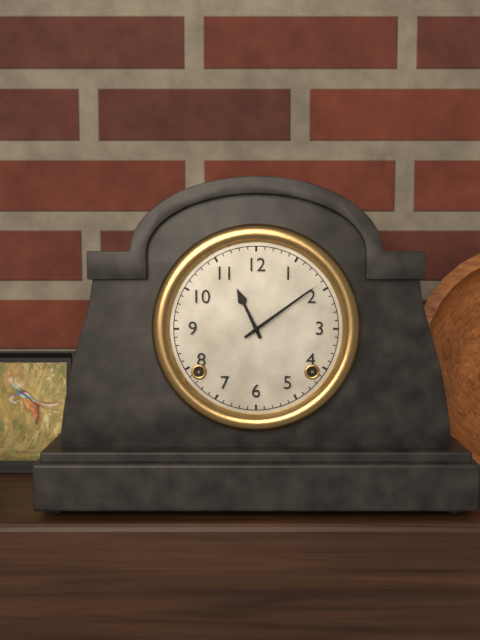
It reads 11h09
